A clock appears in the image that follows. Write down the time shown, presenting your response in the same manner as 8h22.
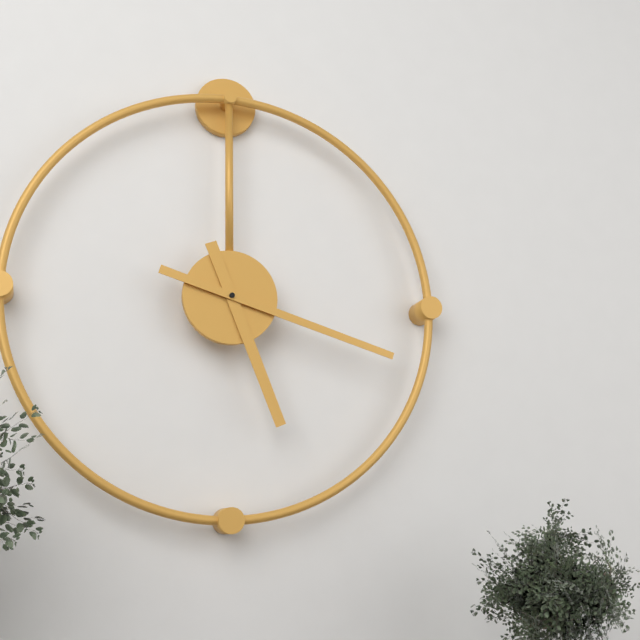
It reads 5h18
